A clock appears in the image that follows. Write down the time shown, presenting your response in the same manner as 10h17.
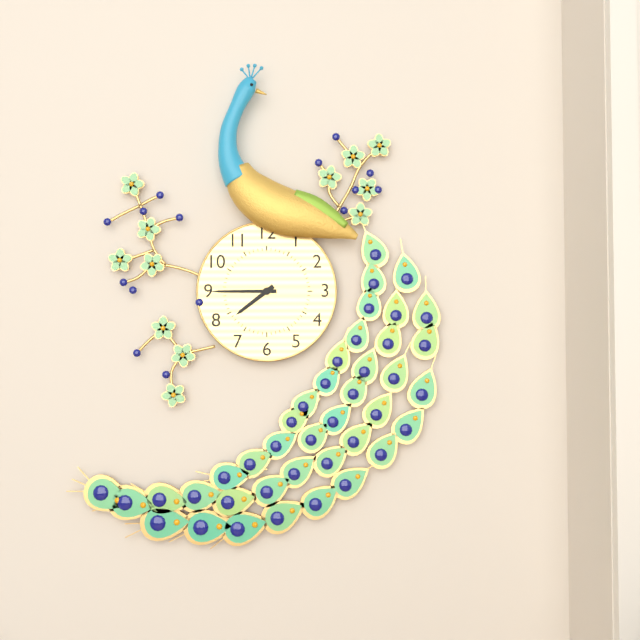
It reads 7h45
